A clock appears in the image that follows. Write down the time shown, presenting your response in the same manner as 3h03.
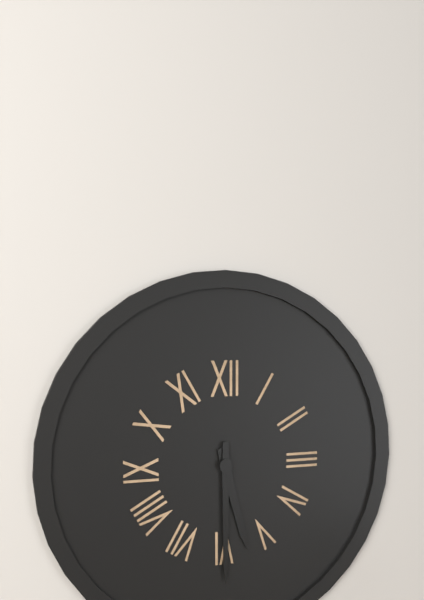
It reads 5h30
